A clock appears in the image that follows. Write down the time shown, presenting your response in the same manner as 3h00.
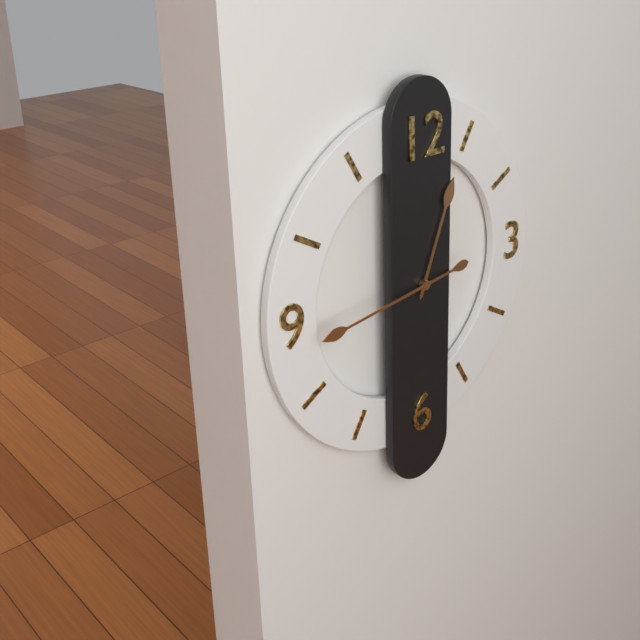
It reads 12h44
